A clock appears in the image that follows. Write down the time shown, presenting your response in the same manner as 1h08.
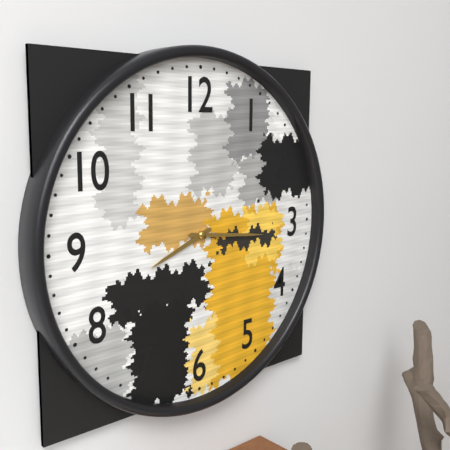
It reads 8h16
